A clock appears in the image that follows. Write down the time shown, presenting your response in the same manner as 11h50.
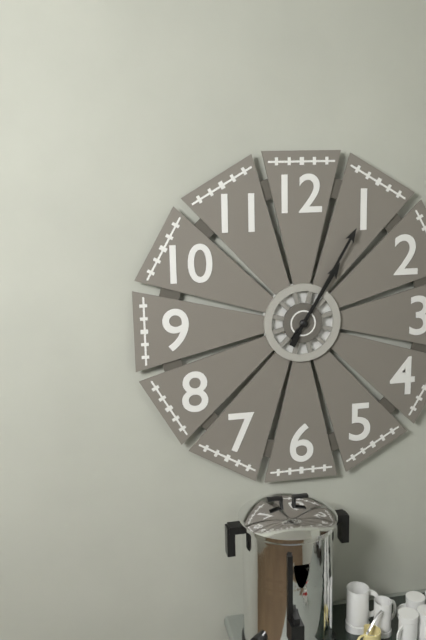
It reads 1h05
